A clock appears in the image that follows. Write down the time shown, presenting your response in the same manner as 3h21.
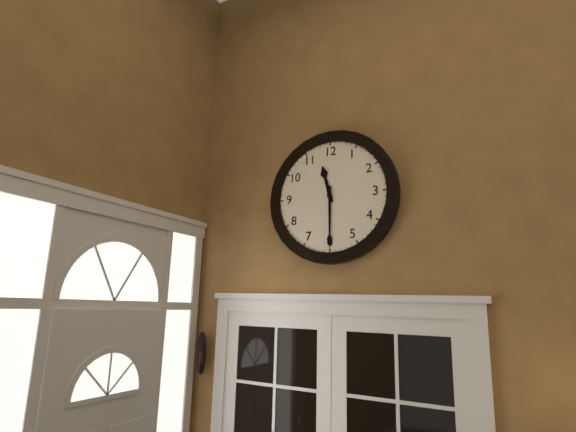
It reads 11h30
